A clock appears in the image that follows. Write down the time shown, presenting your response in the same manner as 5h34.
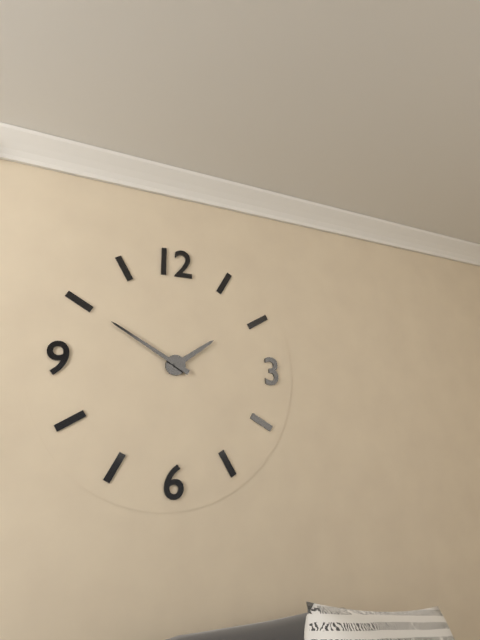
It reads 1h50
